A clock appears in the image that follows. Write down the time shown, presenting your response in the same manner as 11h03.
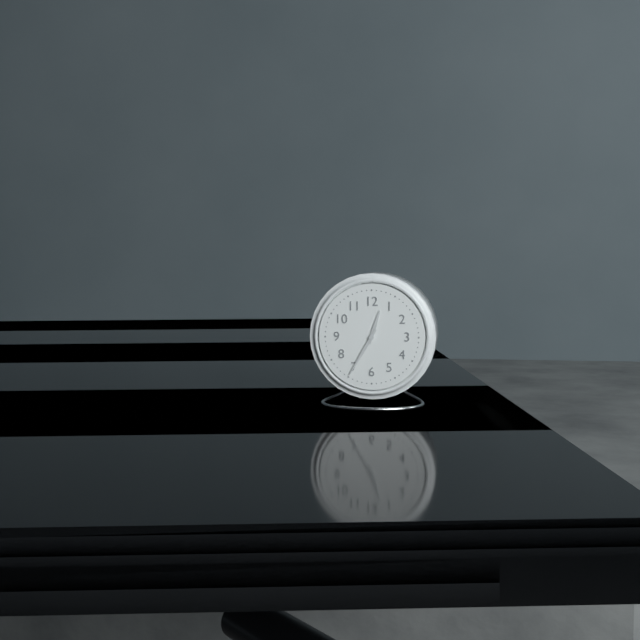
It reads 12h35
